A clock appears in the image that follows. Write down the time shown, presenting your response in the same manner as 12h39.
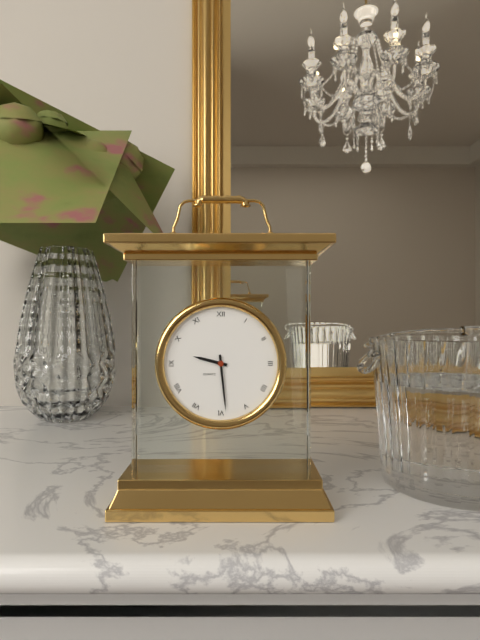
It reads 9h29
